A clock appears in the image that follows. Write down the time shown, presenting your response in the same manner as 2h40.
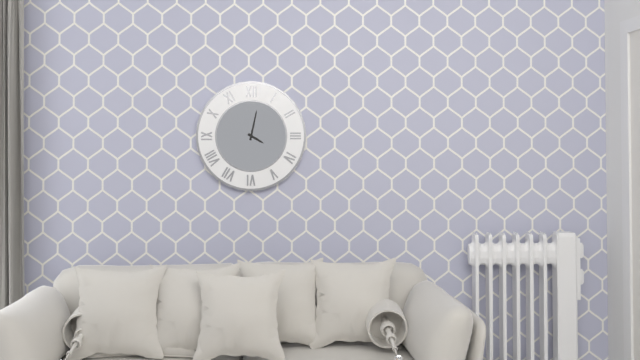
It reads 4h02
